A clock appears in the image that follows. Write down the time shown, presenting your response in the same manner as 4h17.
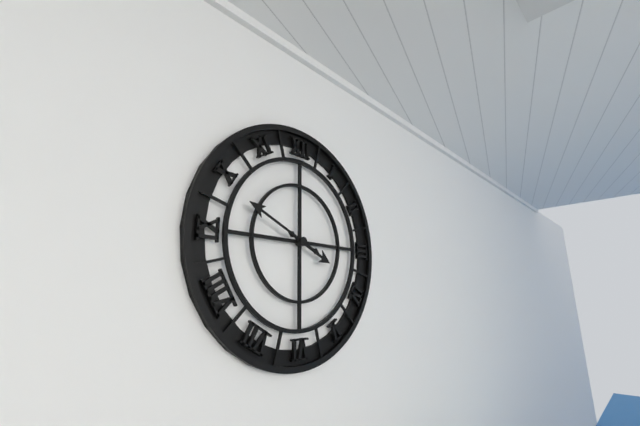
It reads 3h49
